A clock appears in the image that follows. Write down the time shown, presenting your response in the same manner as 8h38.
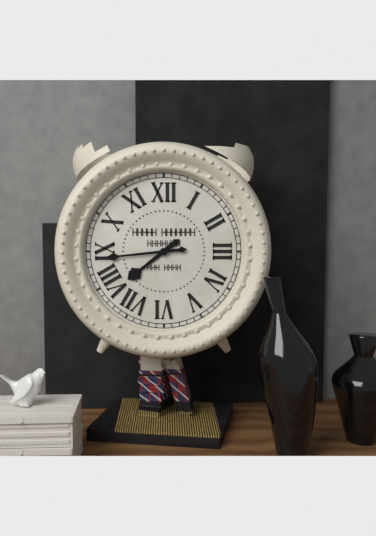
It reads 7h44
